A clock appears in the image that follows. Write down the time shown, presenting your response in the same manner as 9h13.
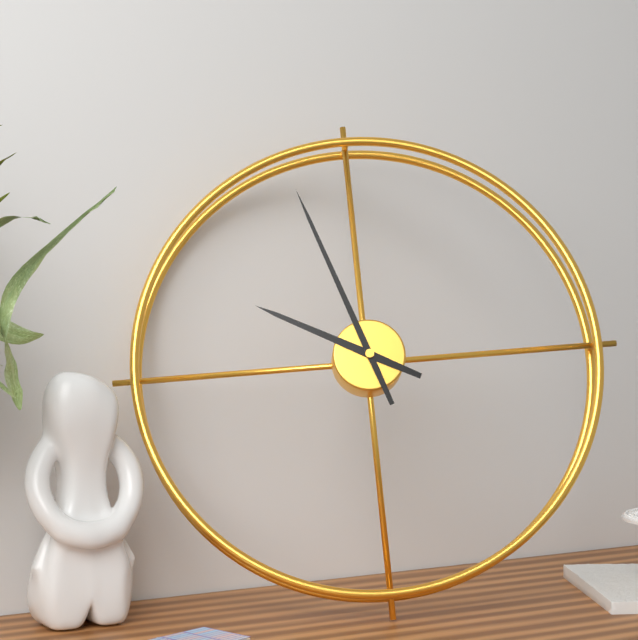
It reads 9h57
